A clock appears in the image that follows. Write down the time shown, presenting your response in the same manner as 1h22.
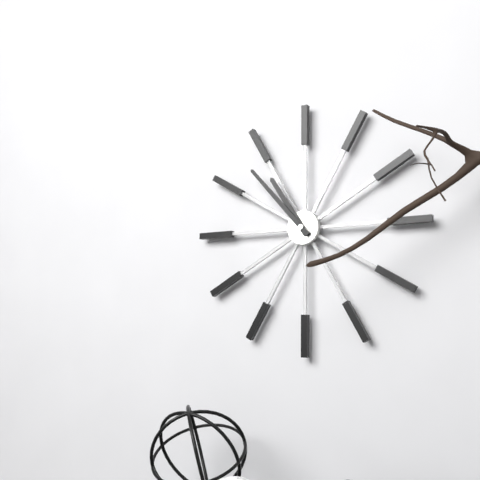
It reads 10h53
